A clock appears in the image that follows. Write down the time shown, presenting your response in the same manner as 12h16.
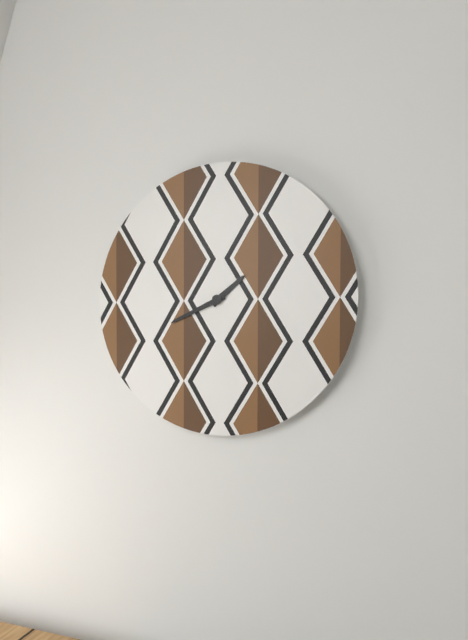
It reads 1h41
